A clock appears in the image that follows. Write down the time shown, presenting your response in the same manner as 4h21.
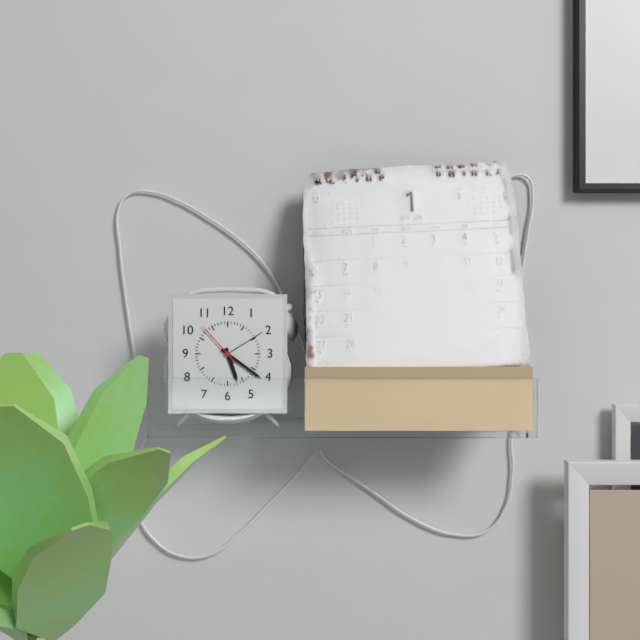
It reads 5h21
